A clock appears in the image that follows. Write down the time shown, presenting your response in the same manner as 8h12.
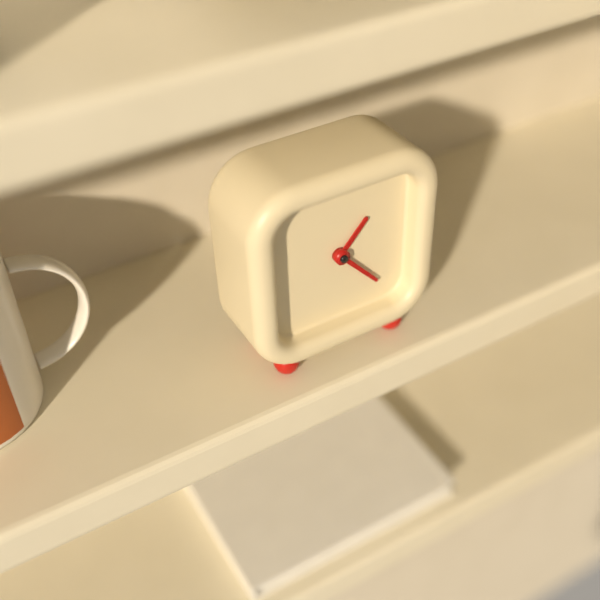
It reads 1h23
